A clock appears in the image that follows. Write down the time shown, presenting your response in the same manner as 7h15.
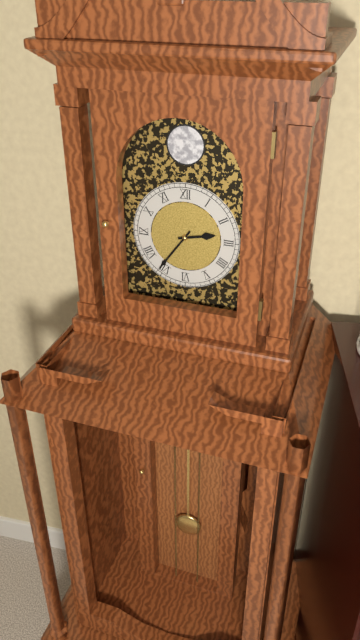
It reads 2h36
